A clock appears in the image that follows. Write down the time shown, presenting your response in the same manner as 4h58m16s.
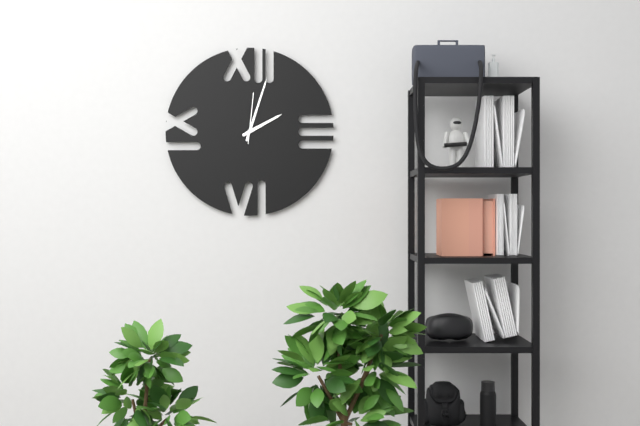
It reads 2h03m01s
